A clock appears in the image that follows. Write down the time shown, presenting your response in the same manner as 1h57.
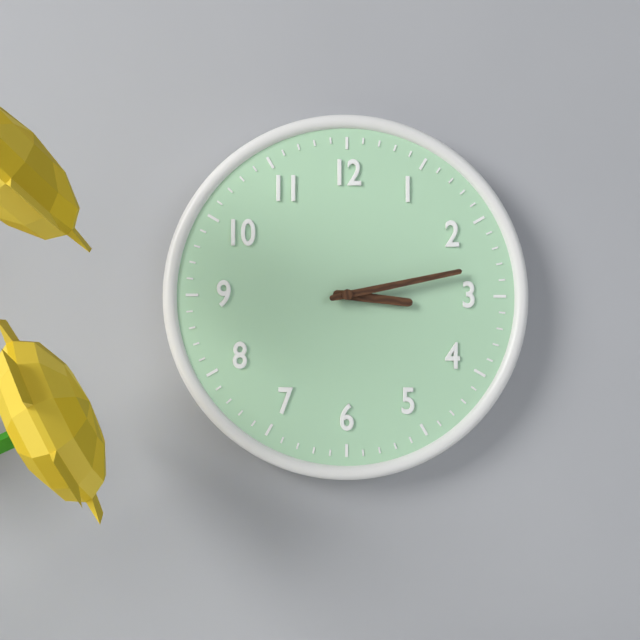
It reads 3h13
